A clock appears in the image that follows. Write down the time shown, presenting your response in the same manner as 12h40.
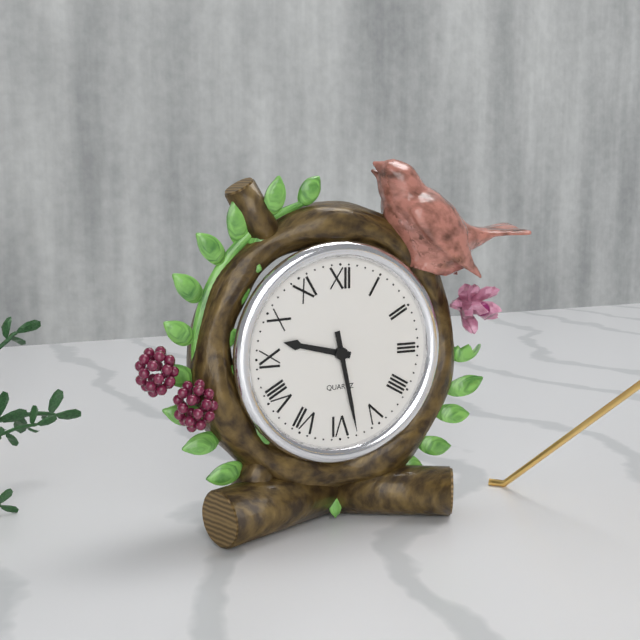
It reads 9h28
